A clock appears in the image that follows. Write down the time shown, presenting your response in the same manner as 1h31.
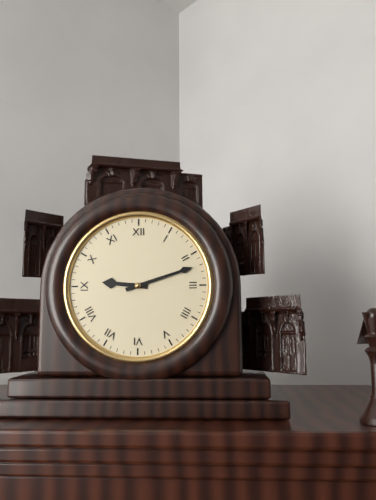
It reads 9h12
